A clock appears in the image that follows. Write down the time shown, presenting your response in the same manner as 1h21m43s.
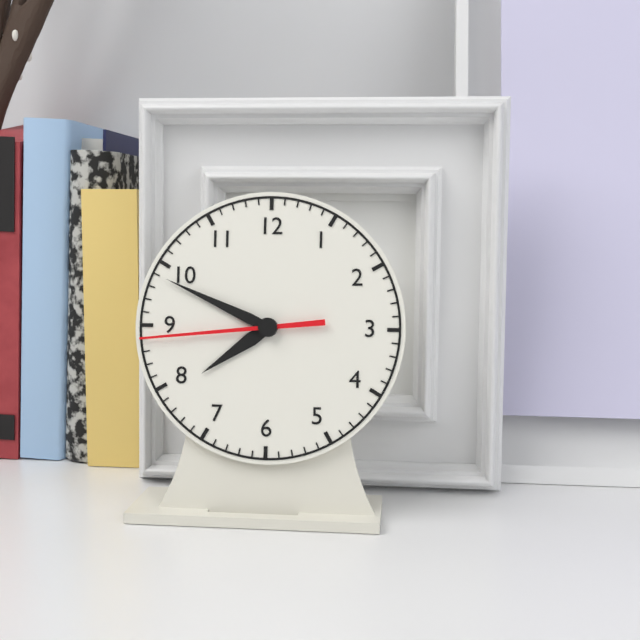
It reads 7h49m44s
